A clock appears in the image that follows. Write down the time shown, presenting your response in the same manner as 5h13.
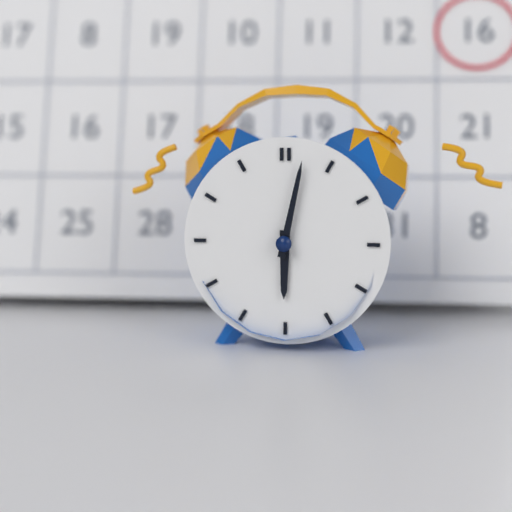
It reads 6h02
